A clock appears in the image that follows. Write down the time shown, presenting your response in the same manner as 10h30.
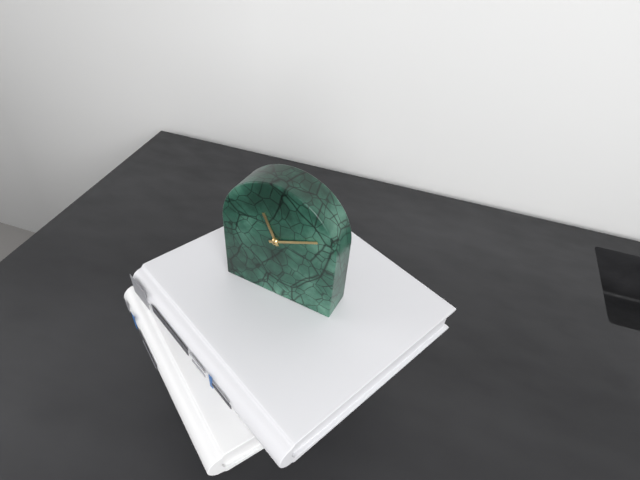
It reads 11h11
